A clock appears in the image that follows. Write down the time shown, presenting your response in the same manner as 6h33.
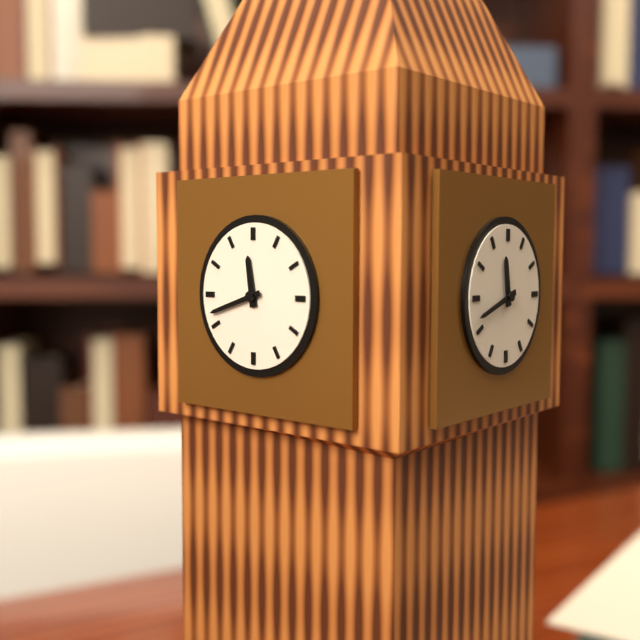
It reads 11h42
